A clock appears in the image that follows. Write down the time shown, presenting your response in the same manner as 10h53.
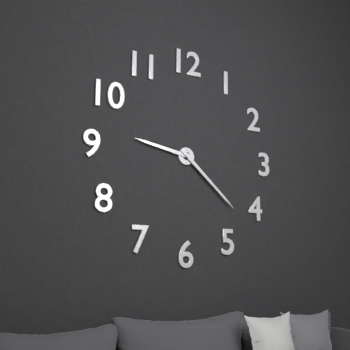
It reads 9h22
